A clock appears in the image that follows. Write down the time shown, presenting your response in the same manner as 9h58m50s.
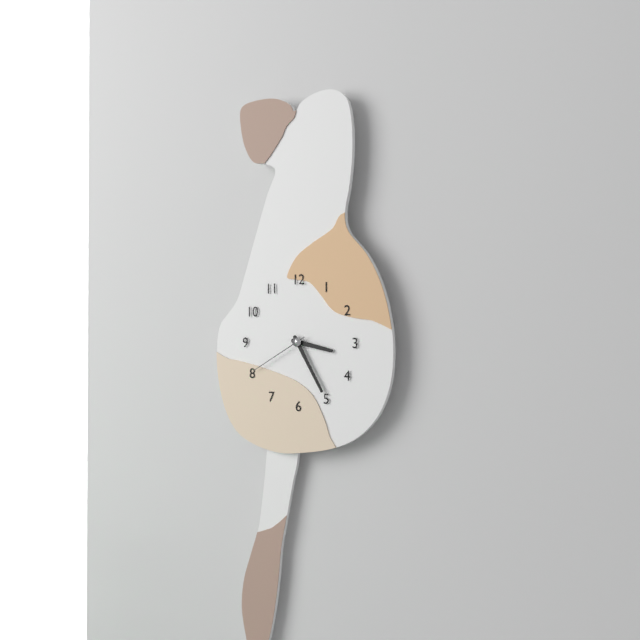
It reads 3h25m40s
